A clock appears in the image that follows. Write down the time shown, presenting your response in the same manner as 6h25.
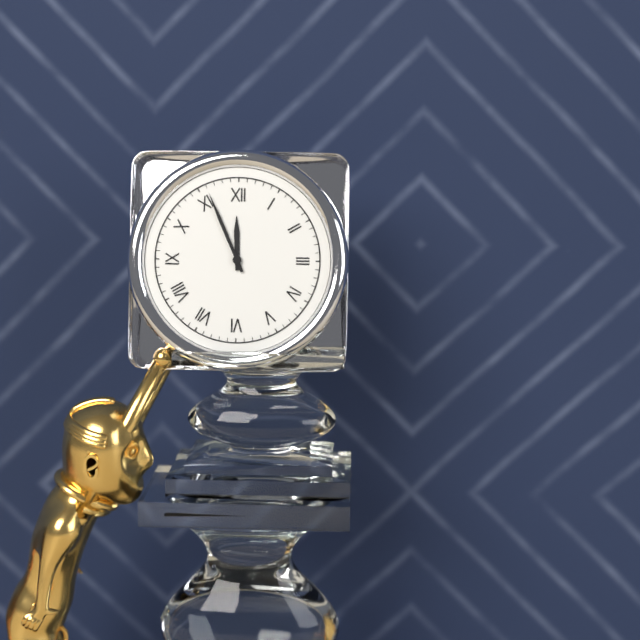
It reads 11h56
